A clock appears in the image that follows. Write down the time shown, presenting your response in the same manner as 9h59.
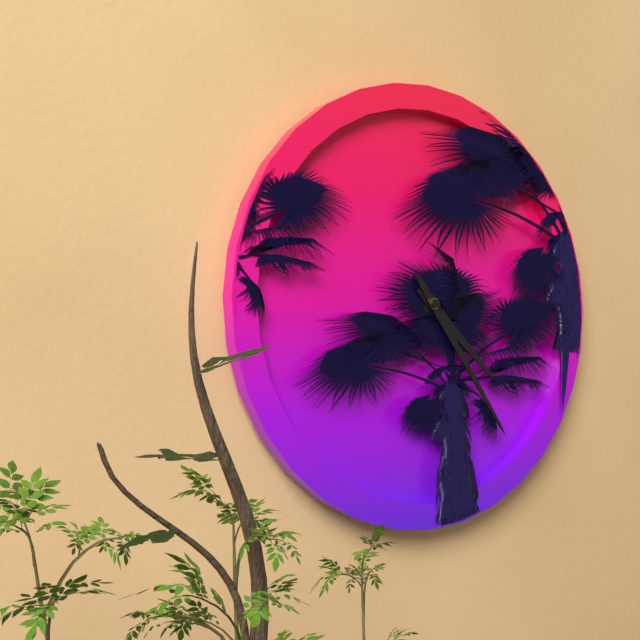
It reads 4h24
